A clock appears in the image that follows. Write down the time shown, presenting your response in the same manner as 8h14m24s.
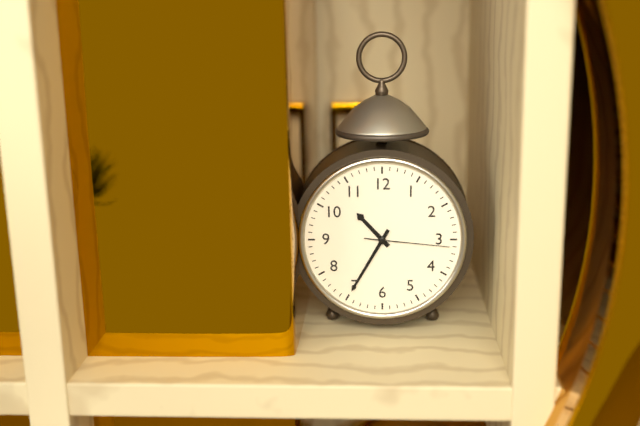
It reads 10h35m16s
